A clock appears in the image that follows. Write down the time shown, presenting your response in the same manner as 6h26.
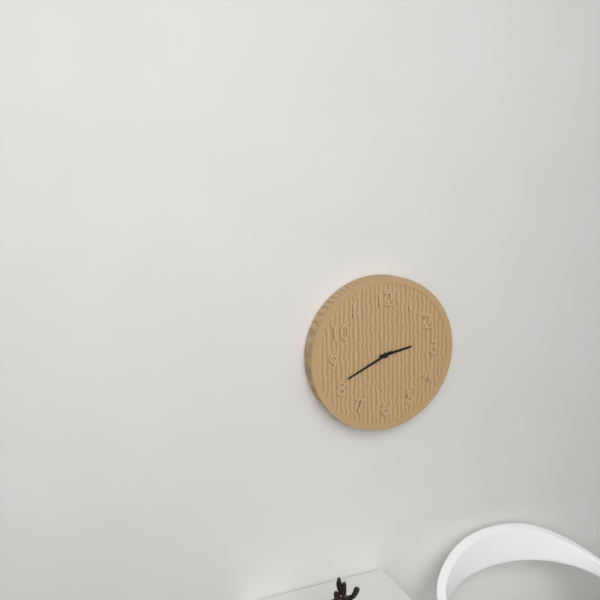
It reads 2h41
